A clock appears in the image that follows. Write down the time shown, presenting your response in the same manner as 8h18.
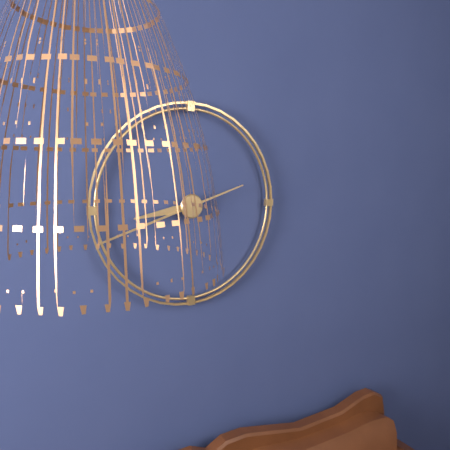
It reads 8h42
